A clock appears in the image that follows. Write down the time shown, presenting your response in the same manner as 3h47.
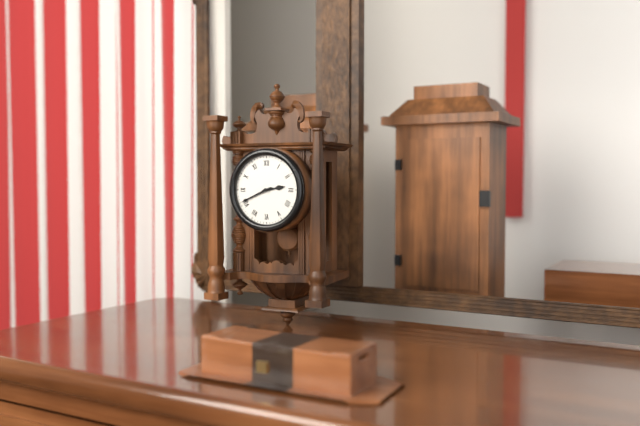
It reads 2h41
